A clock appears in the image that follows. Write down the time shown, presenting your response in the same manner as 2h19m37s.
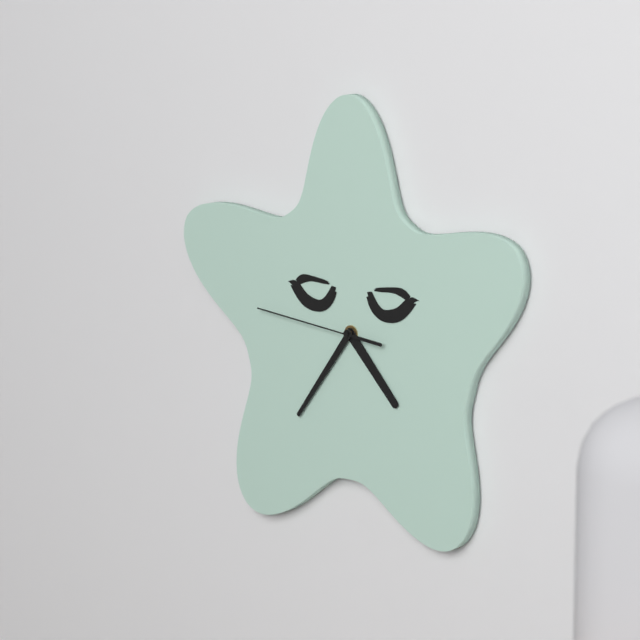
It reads 4h36m46s
